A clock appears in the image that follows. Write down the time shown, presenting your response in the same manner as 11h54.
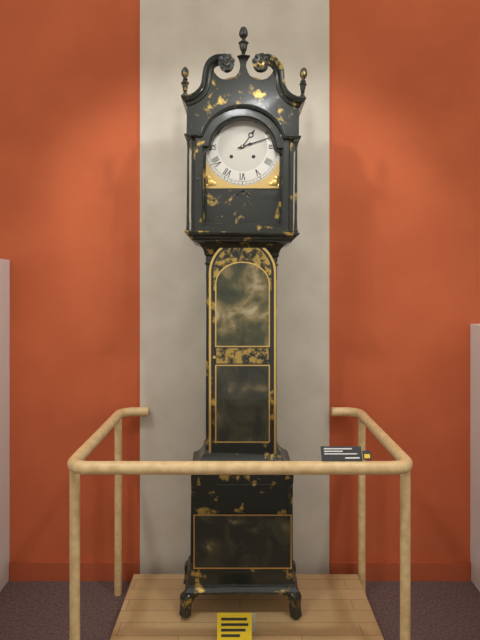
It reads 1h12
